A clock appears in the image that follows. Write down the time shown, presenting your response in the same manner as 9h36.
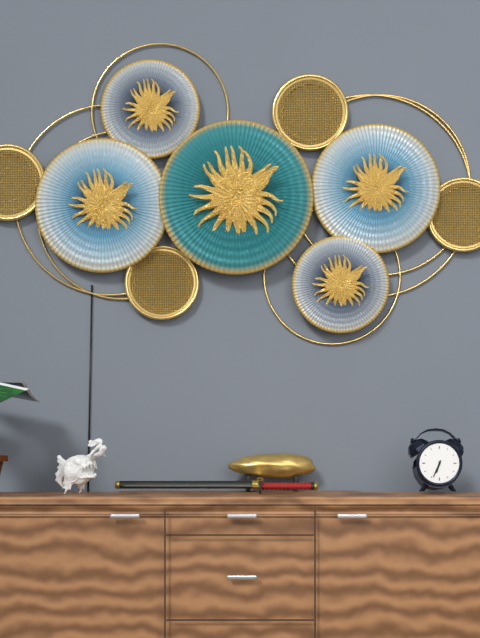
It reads 6h34
